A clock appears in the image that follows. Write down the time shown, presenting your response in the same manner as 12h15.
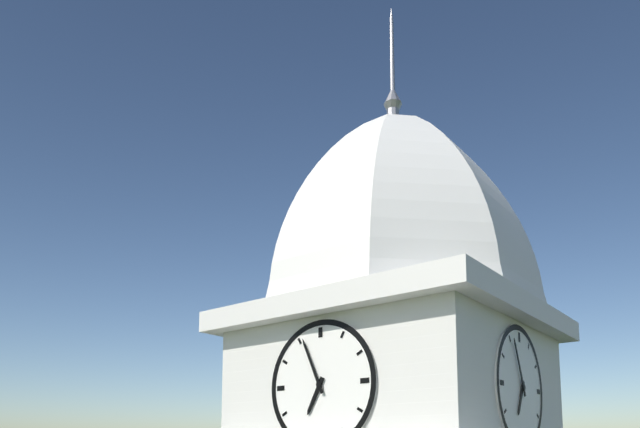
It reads 6h56
